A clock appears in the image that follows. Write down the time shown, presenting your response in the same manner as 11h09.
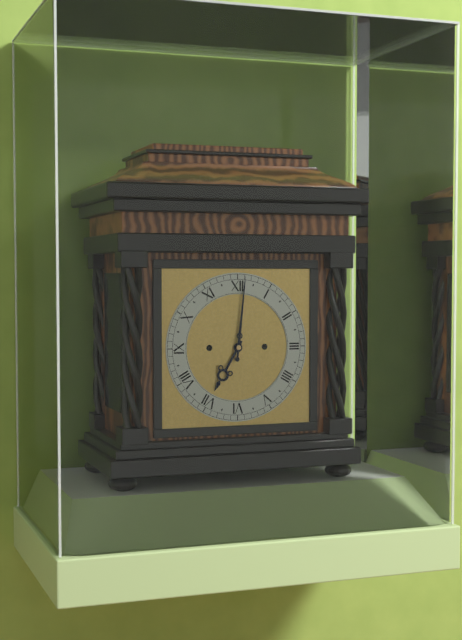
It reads 7h01
